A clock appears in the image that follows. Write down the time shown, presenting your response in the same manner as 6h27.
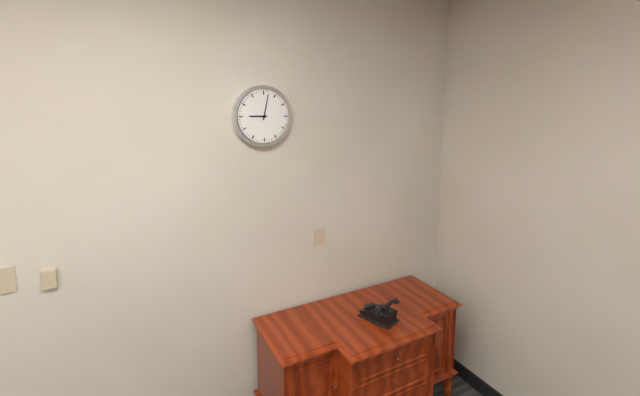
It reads 9h02
